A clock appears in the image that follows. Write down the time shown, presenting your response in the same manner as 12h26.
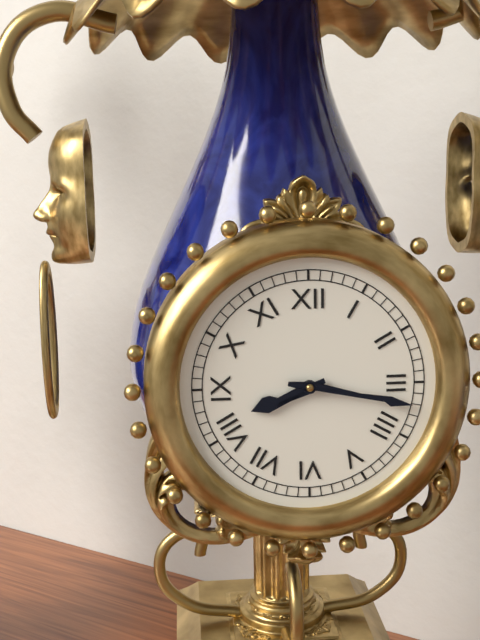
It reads 8h17
